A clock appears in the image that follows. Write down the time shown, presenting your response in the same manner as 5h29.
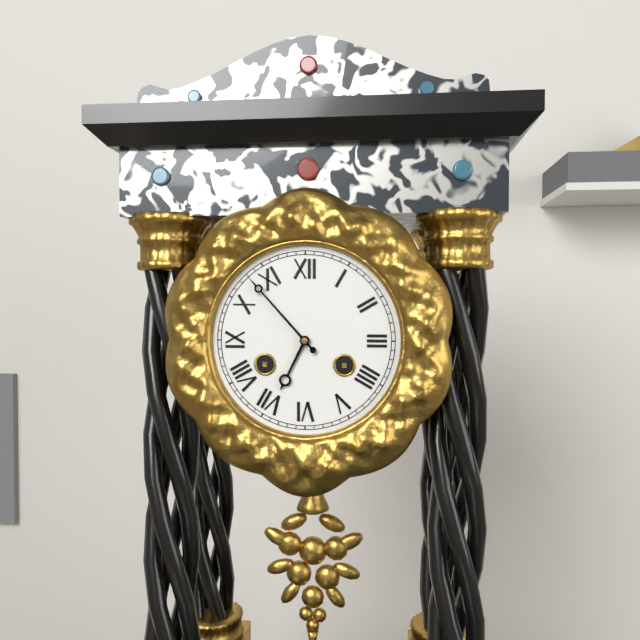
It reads 6h53
